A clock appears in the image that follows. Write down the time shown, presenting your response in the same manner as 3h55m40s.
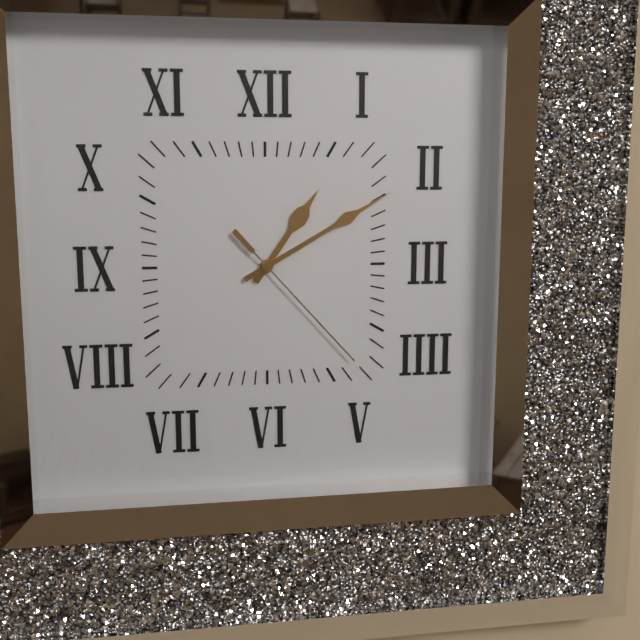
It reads 1h10m23s
